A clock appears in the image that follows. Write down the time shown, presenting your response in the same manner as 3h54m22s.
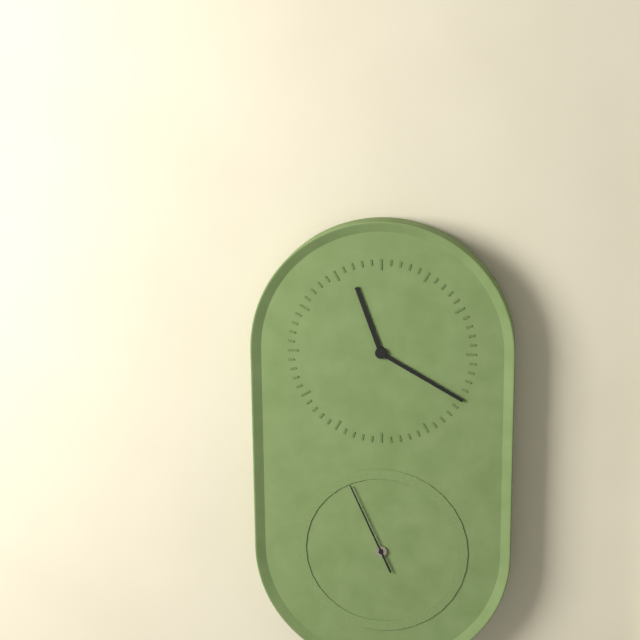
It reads 11h20m56s
